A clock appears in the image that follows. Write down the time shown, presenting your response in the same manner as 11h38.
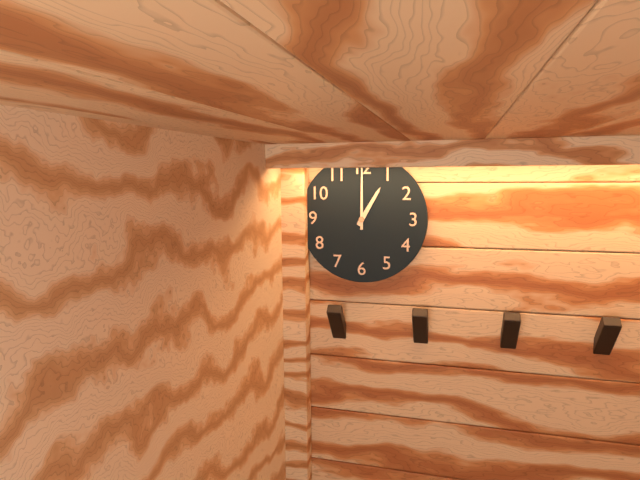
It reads 1h00
